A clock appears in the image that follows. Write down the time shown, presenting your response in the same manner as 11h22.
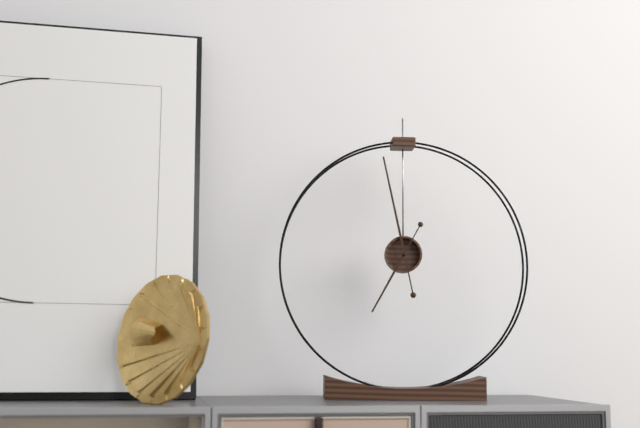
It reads 6h58
